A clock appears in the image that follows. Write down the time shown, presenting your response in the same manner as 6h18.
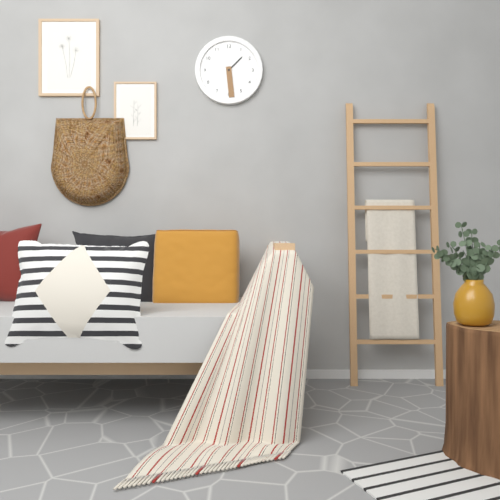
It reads 1h29
